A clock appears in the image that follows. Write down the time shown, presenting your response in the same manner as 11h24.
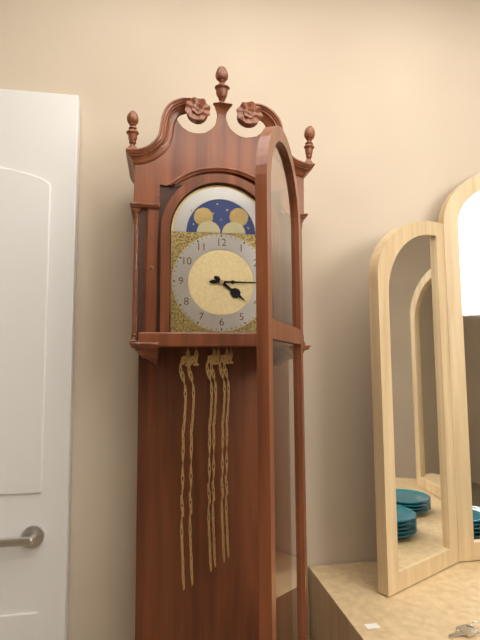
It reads 4h15
